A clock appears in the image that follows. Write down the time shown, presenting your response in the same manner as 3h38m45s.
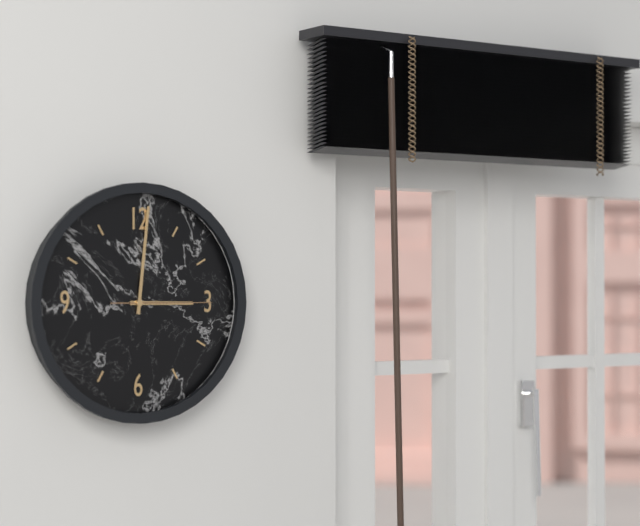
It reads 3h01m15s
